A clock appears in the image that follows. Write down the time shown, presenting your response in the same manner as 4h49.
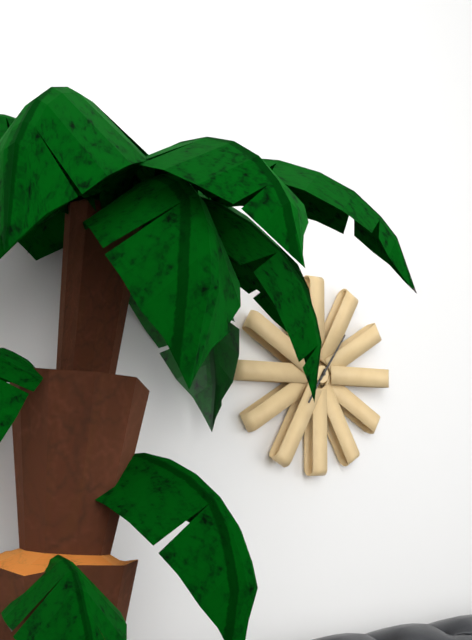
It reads 7h06
